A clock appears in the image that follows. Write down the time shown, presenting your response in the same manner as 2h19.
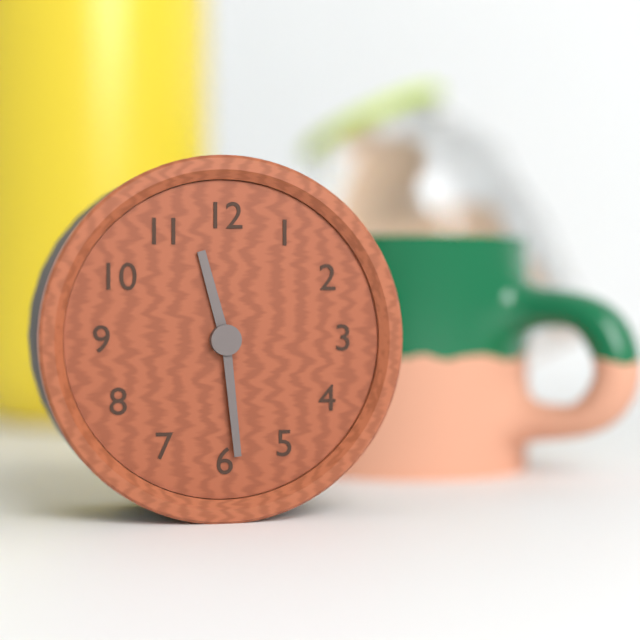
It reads 11h29
